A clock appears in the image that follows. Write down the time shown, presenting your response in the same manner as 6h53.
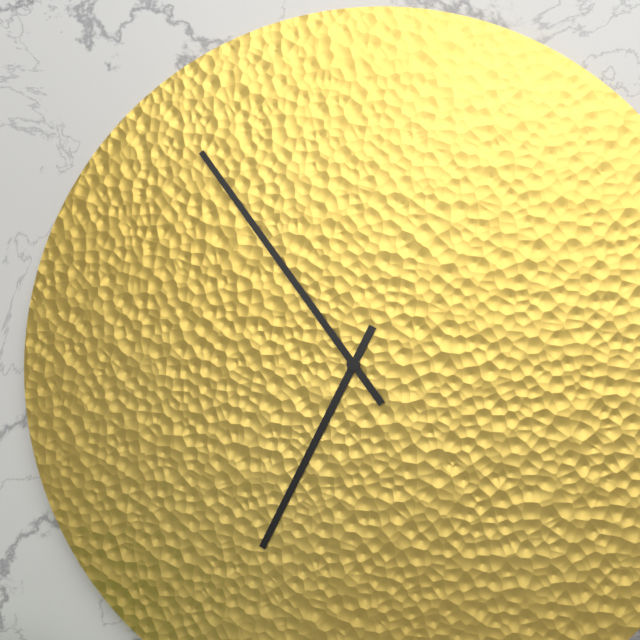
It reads 6h54
